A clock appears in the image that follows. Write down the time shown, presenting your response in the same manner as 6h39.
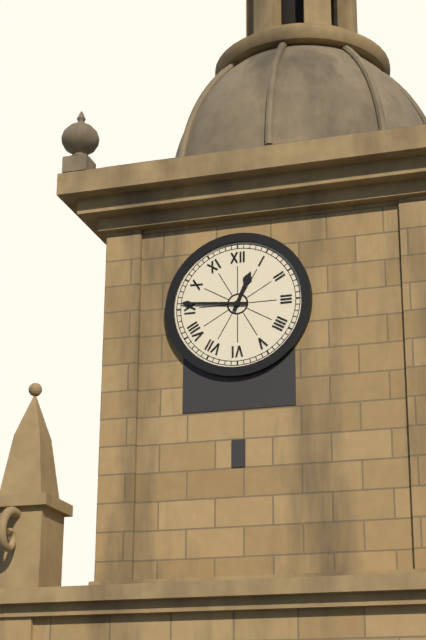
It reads 12h46
